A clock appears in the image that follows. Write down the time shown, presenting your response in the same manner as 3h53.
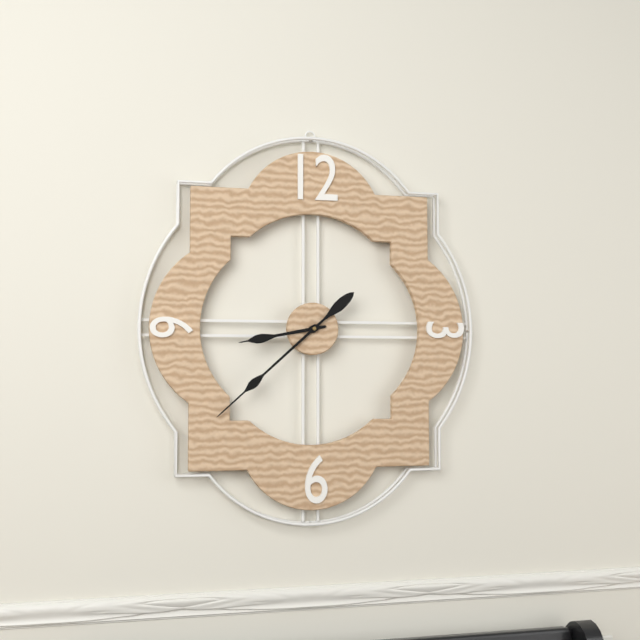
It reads 8h38
